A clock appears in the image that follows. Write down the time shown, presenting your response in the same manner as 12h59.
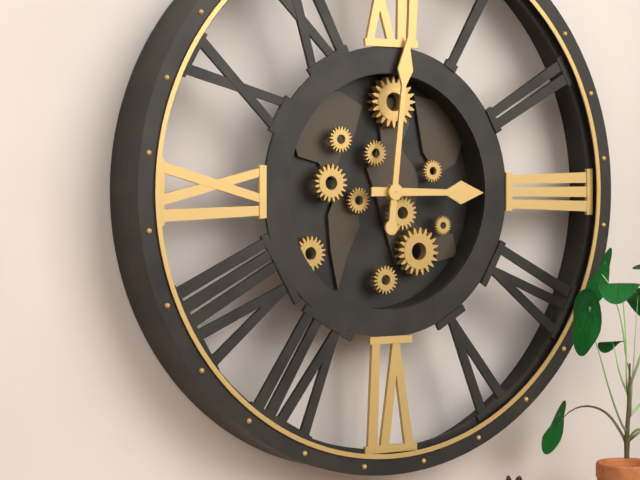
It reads 3h01
